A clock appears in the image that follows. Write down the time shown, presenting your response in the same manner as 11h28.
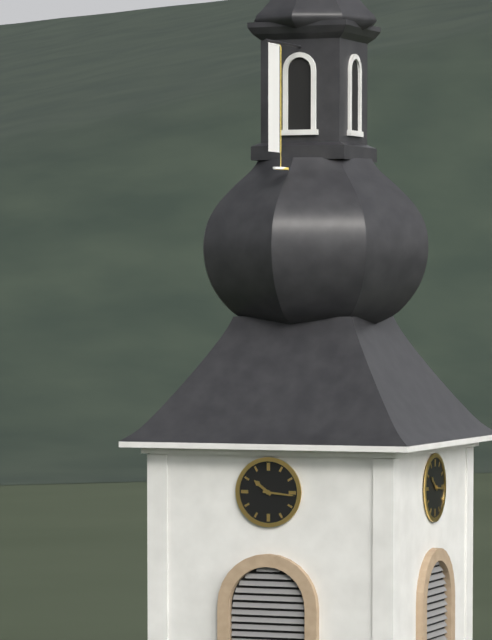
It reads 10h16
